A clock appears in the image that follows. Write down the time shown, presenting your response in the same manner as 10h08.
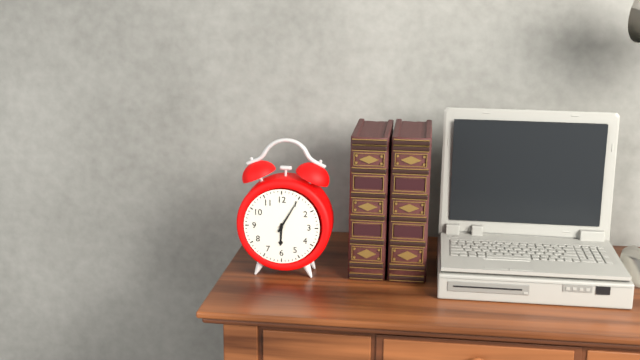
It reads 6h05
